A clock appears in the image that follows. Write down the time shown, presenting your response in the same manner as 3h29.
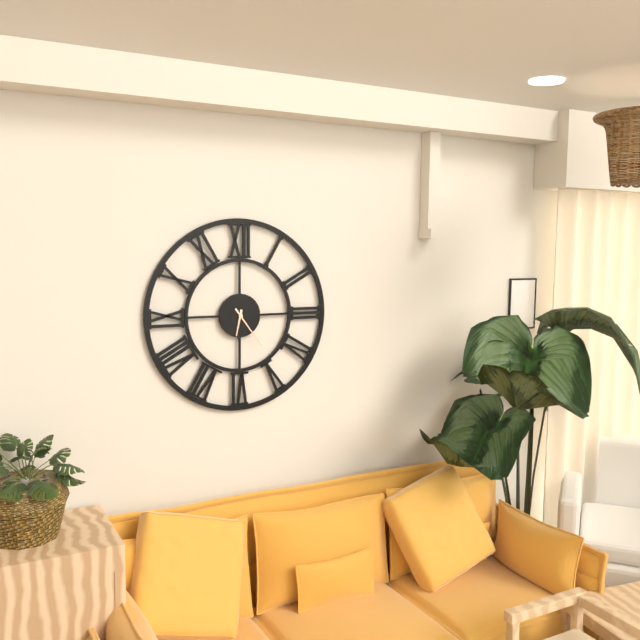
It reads 6h24
